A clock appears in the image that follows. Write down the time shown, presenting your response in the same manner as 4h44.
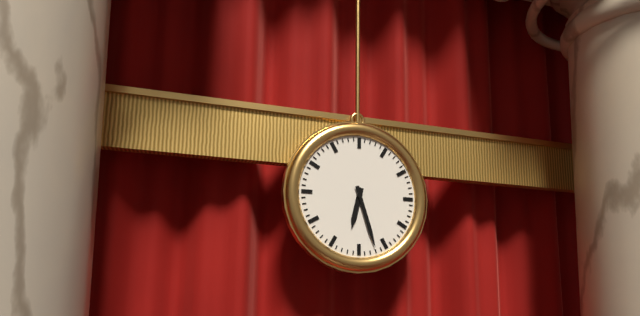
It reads 6h27
